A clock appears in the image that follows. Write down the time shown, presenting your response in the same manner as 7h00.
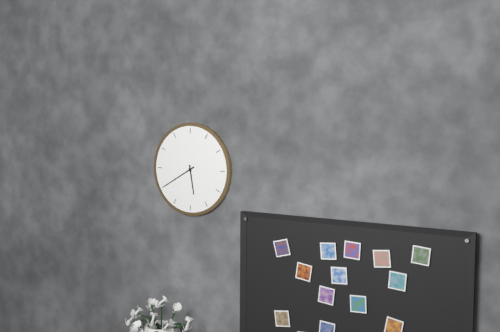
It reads 5h40
